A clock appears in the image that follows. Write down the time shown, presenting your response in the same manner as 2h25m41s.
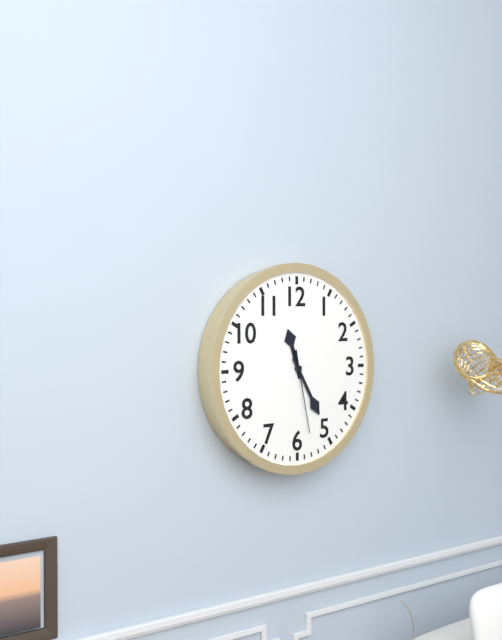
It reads 11h25m28s
